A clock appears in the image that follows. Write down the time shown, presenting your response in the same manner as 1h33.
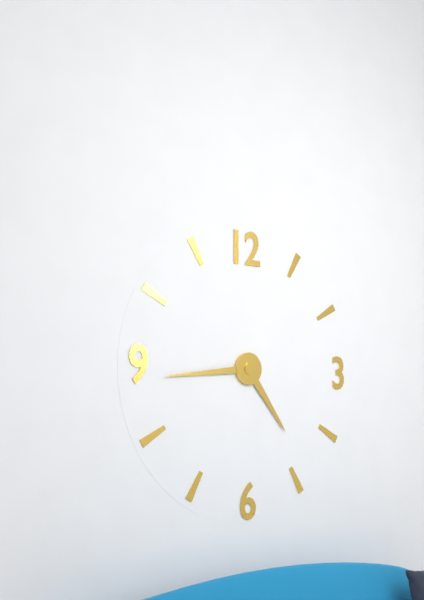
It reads 4h44
